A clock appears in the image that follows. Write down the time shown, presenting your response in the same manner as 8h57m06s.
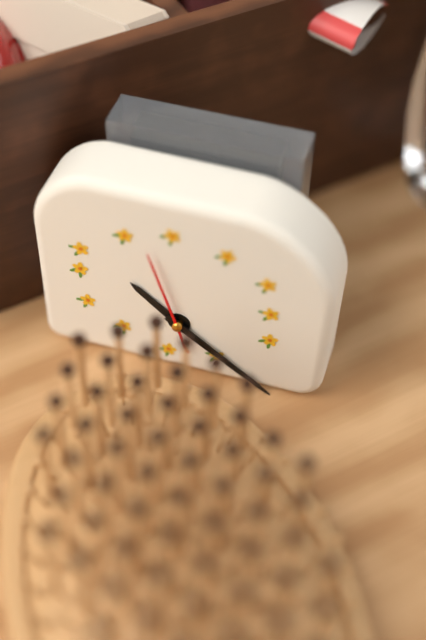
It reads 10h21m57s
